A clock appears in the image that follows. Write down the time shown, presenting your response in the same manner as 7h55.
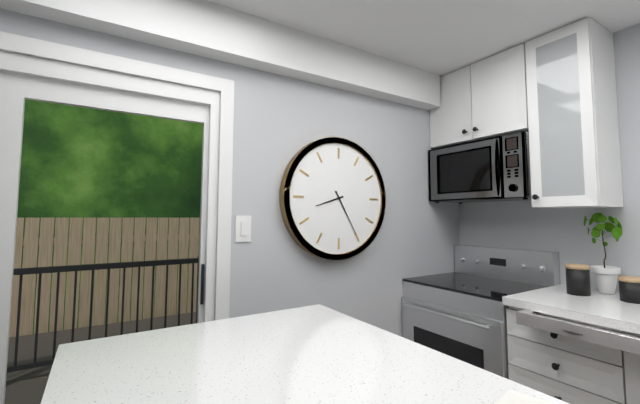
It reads 8h25
